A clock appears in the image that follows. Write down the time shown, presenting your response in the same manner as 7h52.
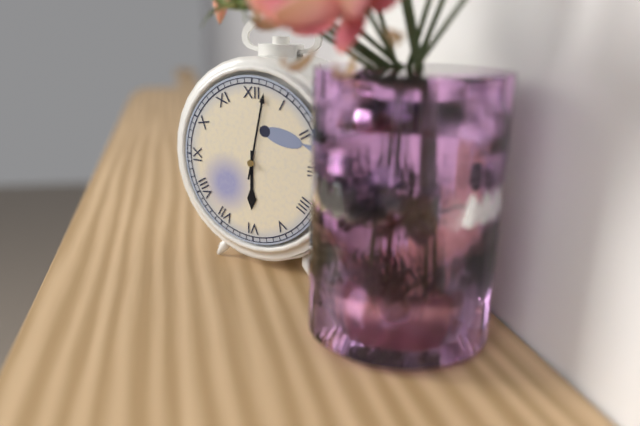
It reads 6h02
